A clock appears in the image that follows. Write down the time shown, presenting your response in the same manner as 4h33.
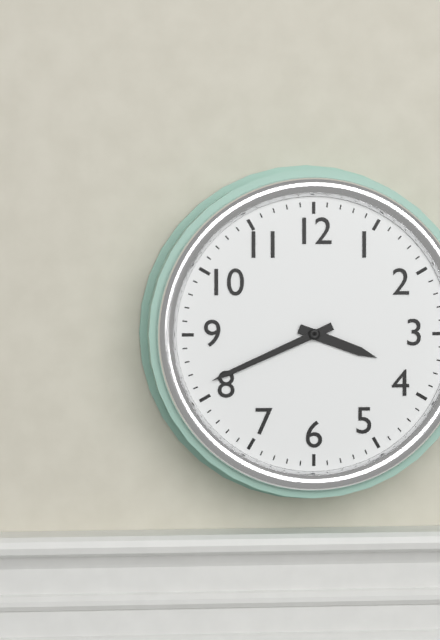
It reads 3h41
